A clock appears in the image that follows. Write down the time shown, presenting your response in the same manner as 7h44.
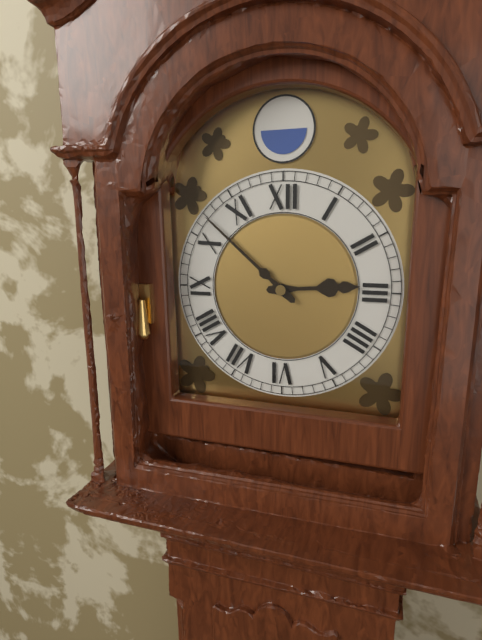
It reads 2h52
